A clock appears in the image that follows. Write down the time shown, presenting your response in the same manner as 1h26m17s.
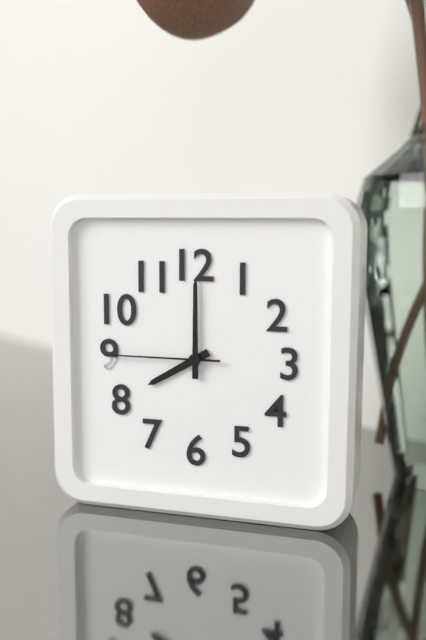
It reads 8h00m45s
